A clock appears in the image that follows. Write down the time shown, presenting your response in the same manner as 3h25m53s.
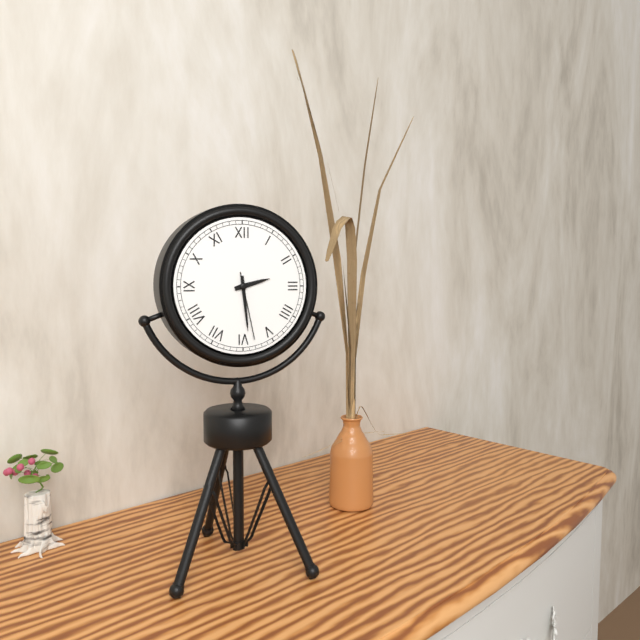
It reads 2h29m28s
